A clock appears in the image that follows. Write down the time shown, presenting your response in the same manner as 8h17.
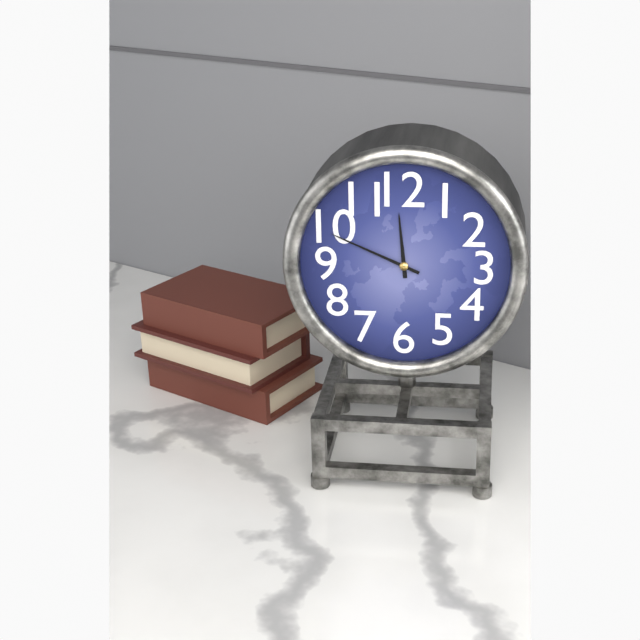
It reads 11h49
